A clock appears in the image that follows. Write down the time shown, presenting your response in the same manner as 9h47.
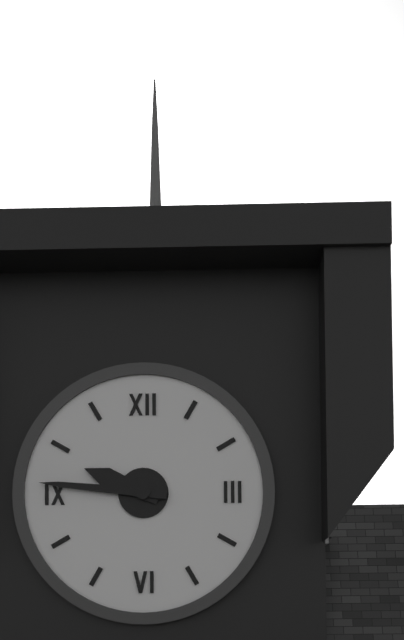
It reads 9h46
